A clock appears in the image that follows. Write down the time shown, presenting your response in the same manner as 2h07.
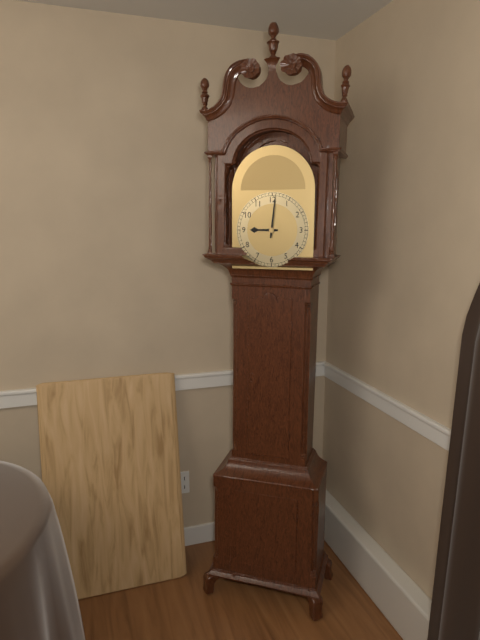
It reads 9h01
